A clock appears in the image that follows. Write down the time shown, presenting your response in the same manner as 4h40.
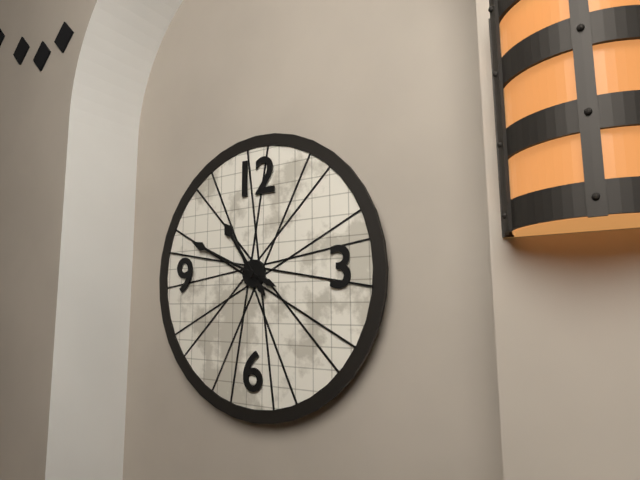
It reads 10h49
